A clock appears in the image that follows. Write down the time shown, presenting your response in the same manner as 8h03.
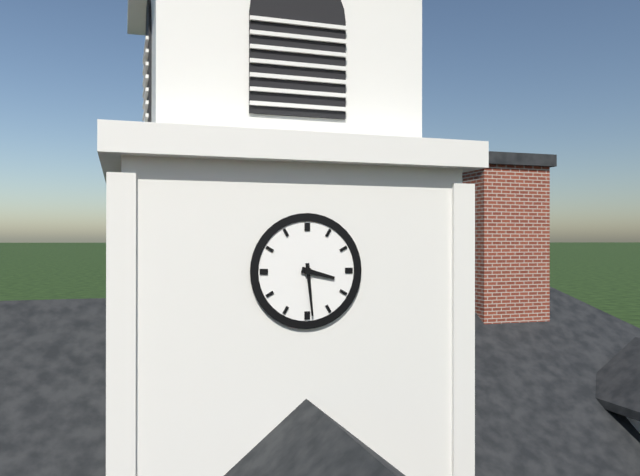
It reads 3h29
